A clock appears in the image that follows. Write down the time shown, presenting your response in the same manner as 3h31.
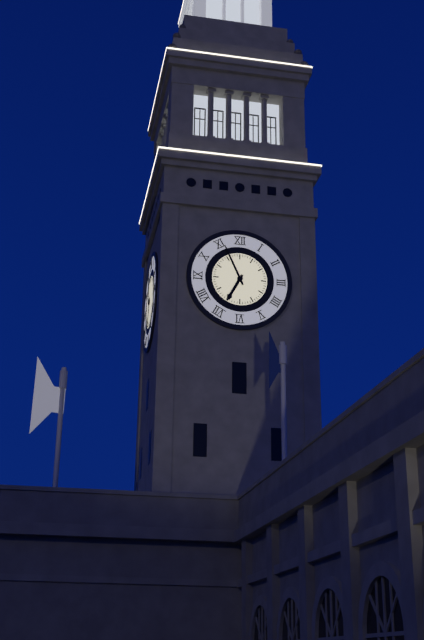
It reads 6h56
